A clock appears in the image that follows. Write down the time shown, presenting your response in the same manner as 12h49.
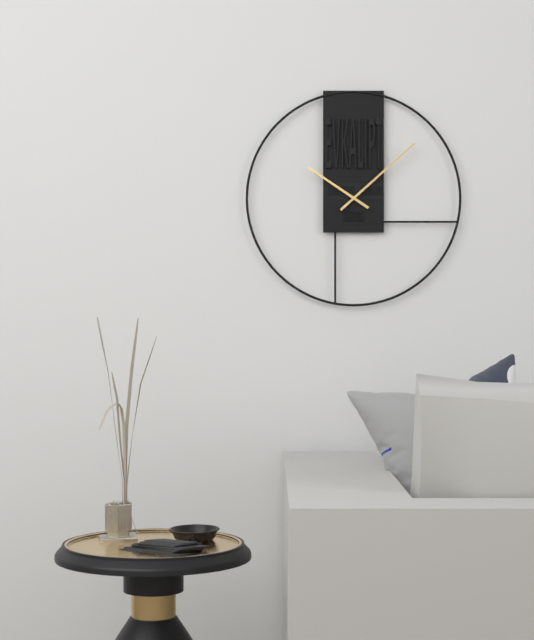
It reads 10h08
